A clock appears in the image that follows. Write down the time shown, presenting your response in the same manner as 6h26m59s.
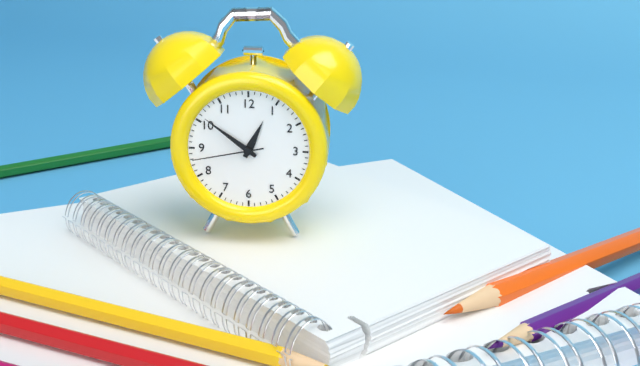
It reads 12h51m43s
